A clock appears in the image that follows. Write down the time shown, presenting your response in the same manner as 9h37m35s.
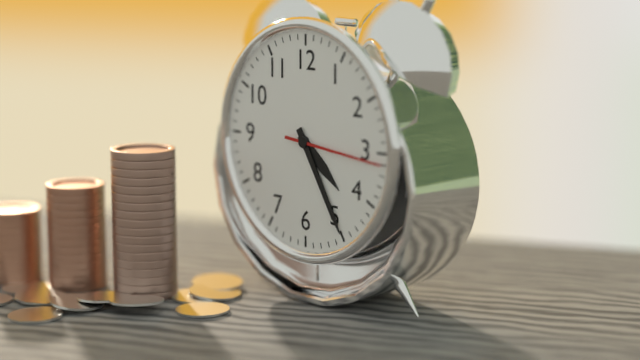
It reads 4h25m16s
